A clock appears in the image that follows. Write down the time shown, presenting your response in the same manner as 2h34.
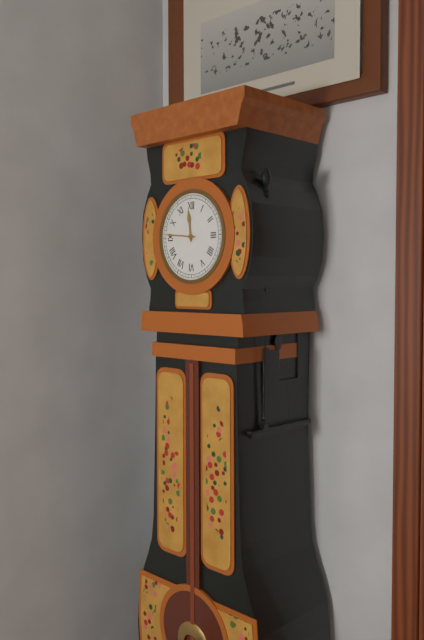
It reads 11h46
